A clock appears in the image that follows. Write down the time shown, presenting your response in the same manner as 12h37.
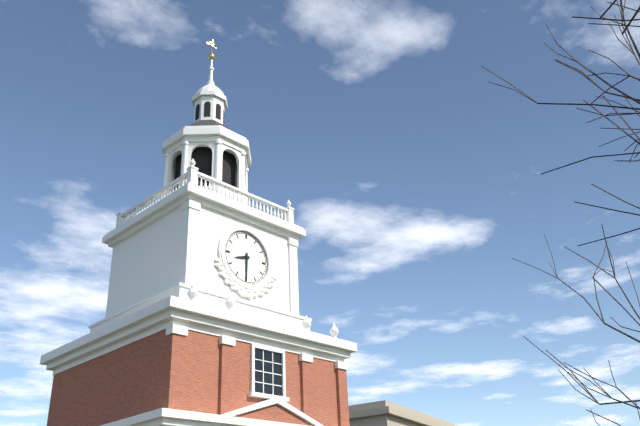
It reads 8h30
